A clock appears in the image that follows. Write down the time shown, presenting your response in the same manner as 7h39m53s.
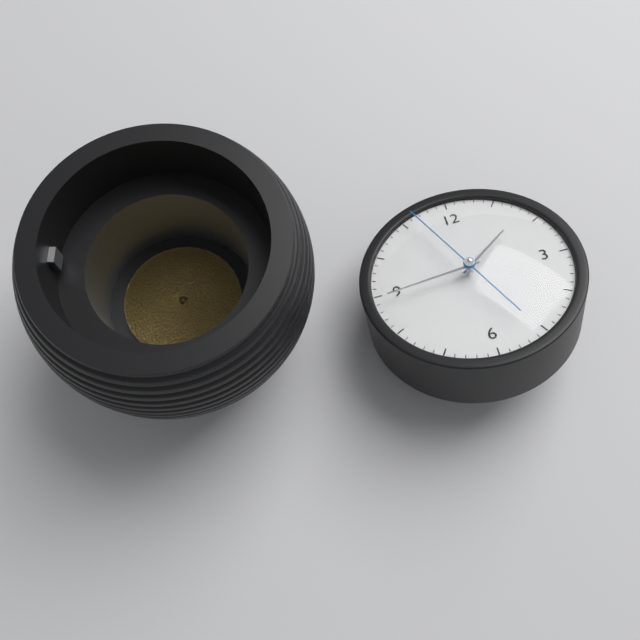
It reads 1h44m56s
